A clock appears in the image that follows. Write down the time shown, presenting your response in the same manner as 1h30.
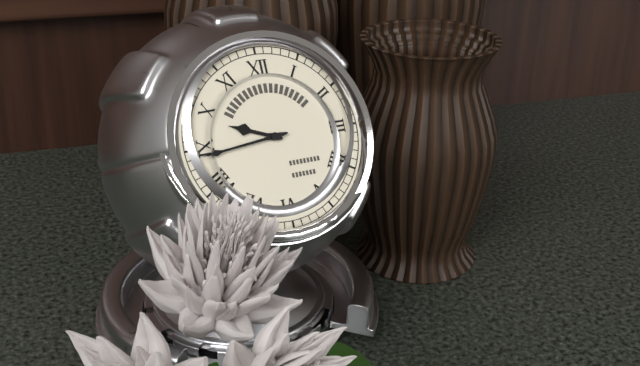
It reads 9h44
